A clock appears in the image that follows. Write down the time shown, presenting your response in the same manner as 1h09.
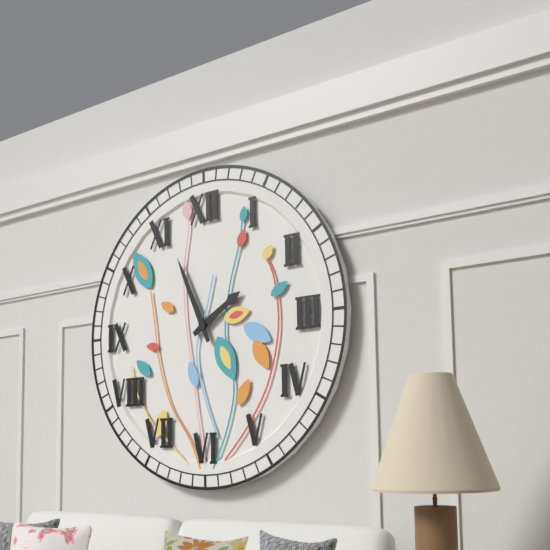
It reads 1h56
